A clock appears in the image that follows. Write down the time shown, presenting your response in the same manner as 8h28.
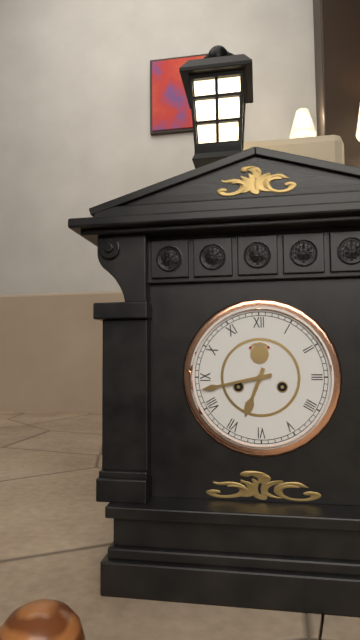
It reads 6h43
